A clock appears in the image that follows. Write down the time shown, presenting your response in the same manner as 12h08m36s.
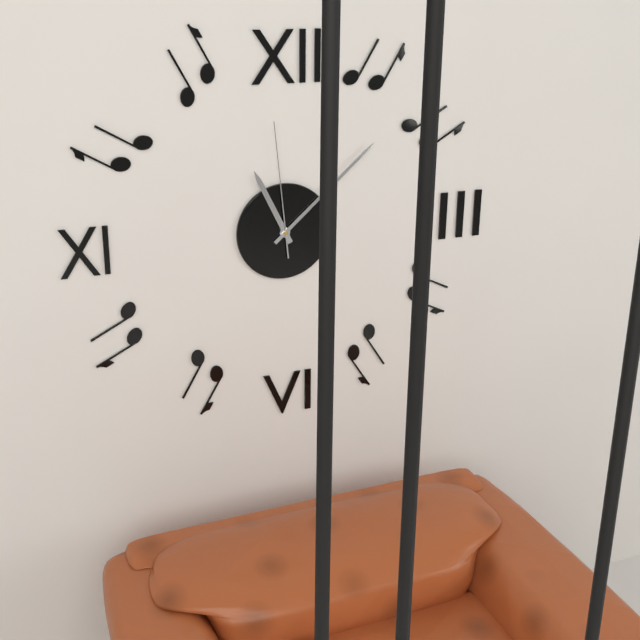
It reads 11h08m59s
